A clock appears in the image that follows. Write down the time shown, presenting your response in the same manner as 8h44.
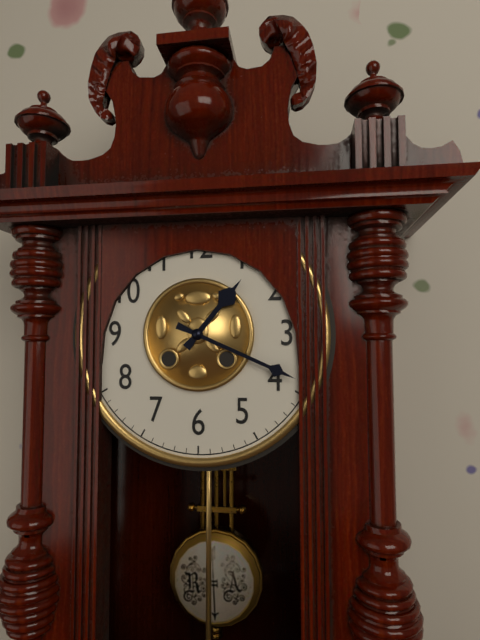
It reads 1h19
